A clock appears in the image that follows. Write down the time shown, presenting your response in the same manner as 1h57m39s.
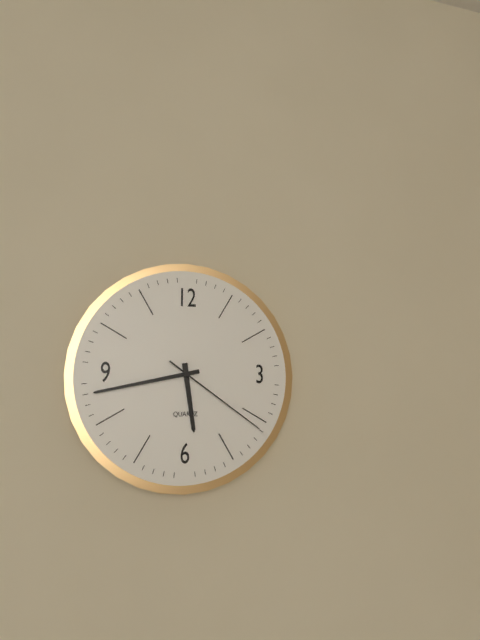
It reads 5h43m21s
